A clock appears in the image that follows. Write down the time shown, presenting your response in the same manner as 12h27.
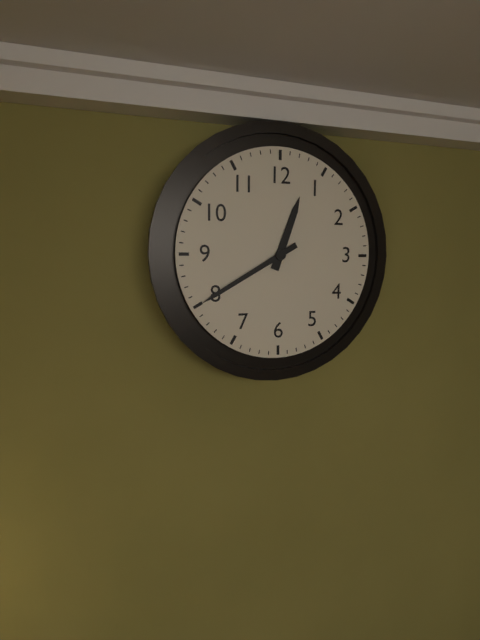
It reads 12h40
